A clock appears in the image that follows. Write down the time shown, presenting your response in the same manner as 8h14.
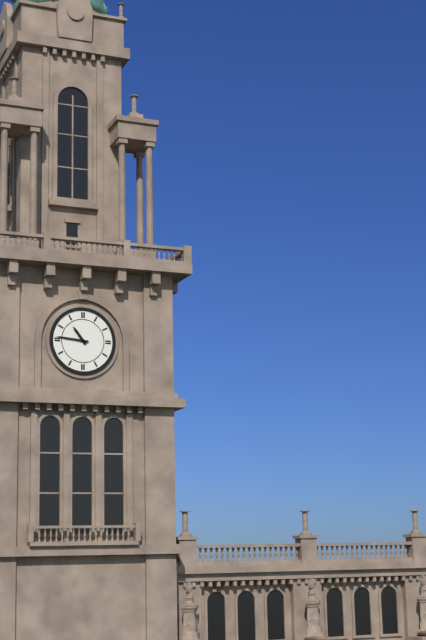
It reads 10h46
